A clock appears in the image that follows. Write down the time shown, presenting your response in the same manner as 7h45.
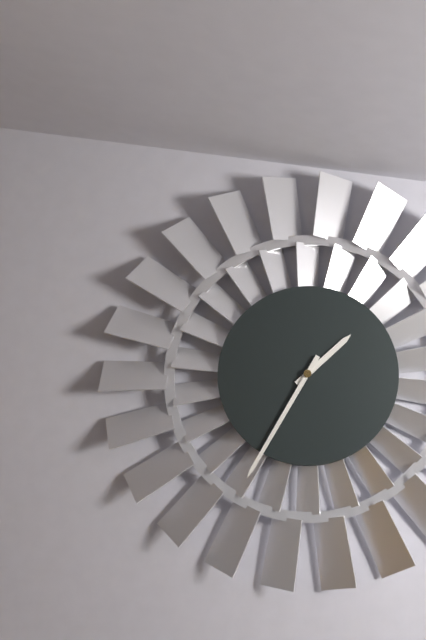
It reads 1h35
